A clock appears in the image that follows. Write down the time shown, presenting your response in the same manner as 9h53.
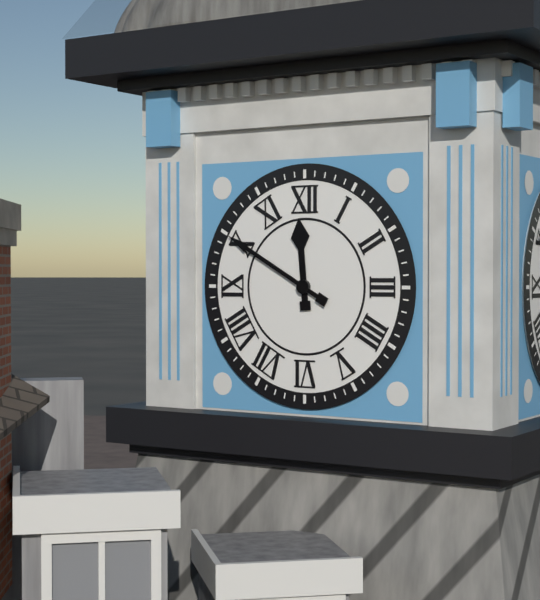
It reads 11h50
